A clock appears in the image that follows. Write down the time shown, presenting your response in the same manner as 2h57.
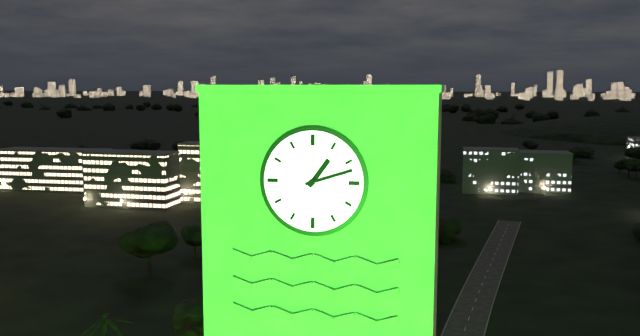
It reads 1h12
